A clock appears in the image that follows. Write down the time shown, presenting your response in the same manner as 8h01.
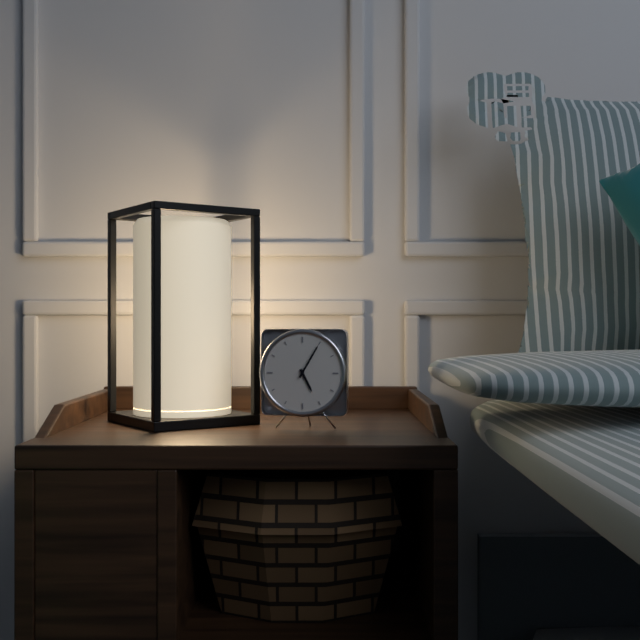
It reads 5h05
